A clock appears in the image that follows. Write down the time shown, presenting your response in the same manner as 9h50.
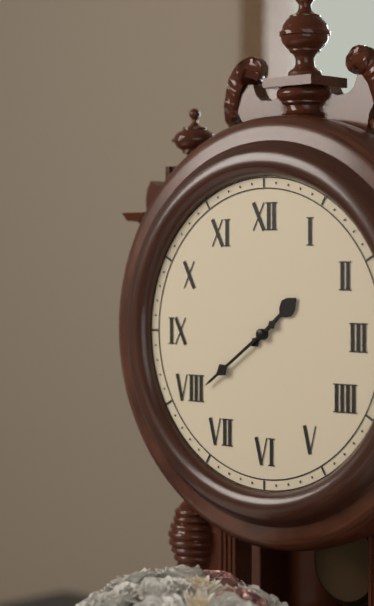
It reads 1h39
